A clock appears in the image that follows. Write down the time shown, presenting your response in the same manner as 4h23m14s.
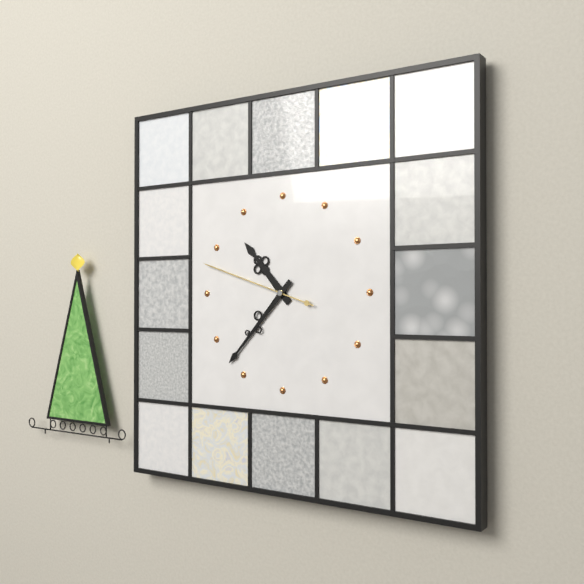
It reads 10h37m48s
